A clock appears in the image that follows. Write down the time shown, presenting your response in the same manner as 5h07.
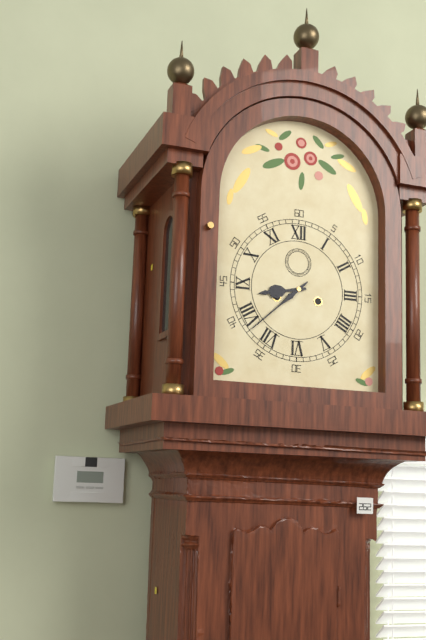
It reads 8h38
